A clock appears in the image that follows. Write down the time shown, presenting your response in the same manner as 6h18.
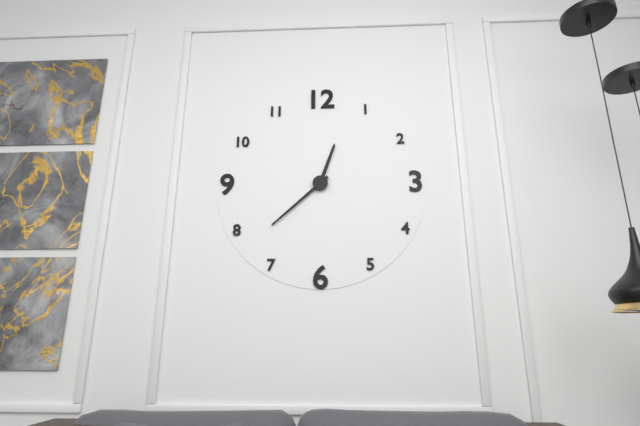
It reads 12h38
